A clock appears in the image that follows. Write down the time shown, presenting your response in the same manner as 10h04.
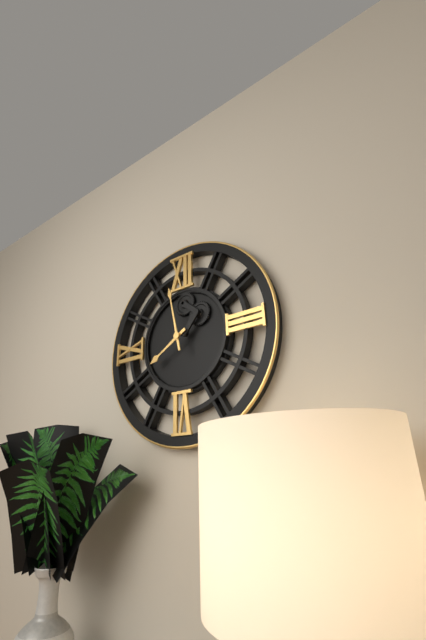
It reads 7h58
